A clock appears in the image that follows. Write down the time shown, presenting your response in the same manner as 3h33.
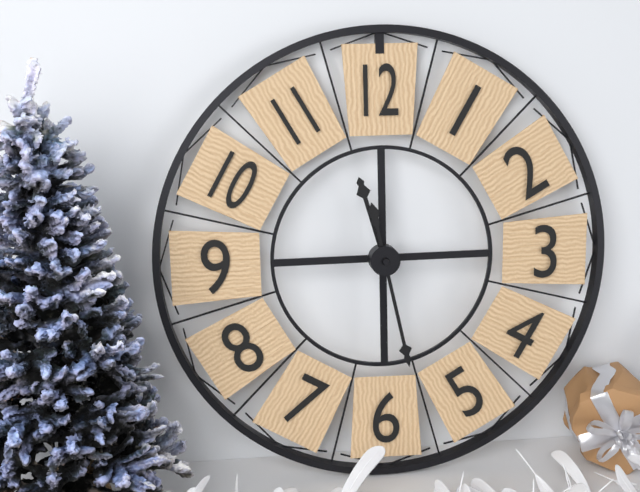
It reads 11h28
